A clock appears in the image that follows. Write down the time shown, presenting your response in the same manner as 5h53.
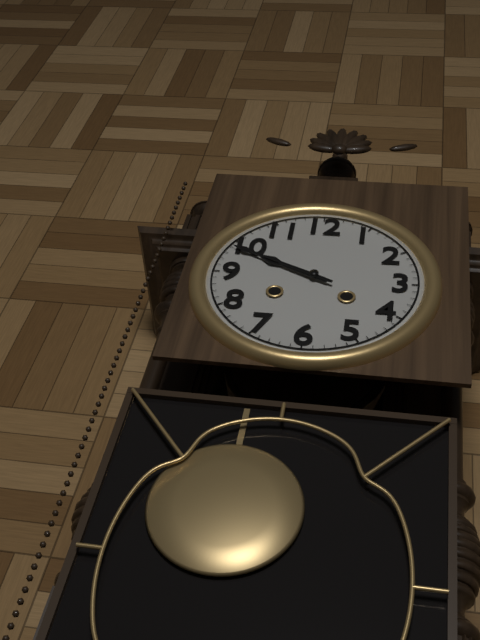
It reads 9h49
